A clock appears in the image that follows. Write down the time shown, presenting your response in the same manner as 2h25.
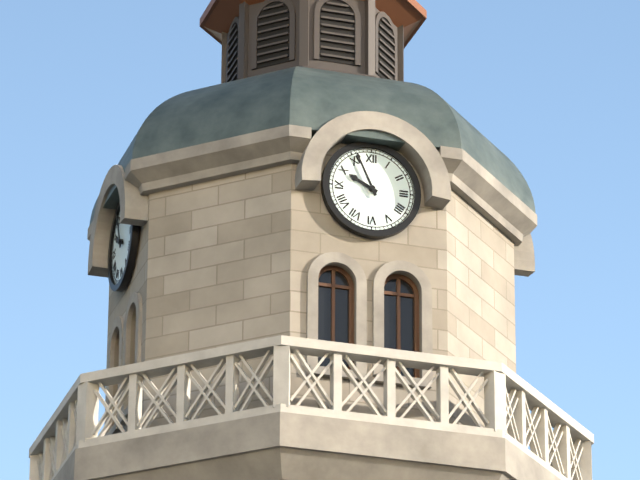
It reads 9h56
